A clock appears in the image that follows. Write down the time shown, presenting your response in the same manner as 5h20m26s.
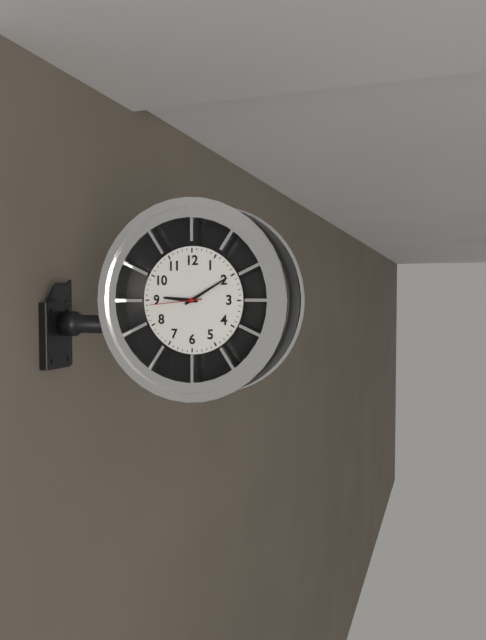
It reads 9h10m44s
